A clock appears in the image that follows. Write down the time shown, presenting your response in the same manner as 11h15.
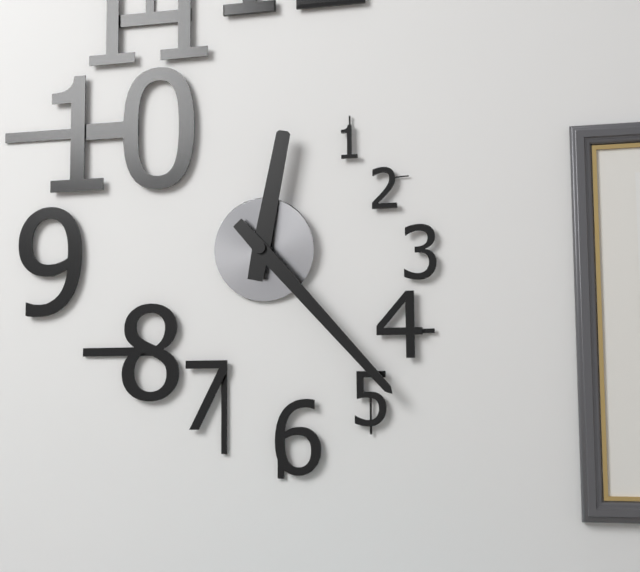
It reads 12h23
